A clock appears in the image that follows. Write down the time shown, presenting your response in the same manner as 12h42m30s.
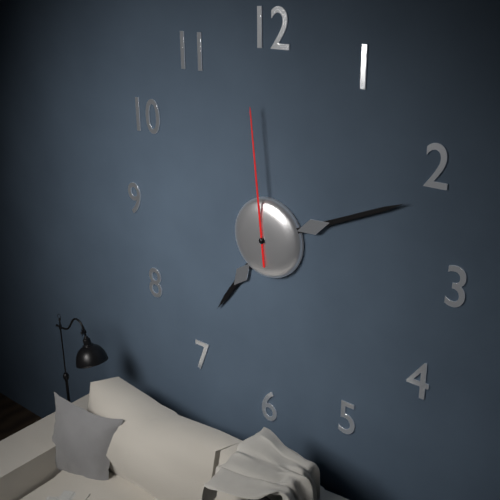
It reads 7h11m59s
